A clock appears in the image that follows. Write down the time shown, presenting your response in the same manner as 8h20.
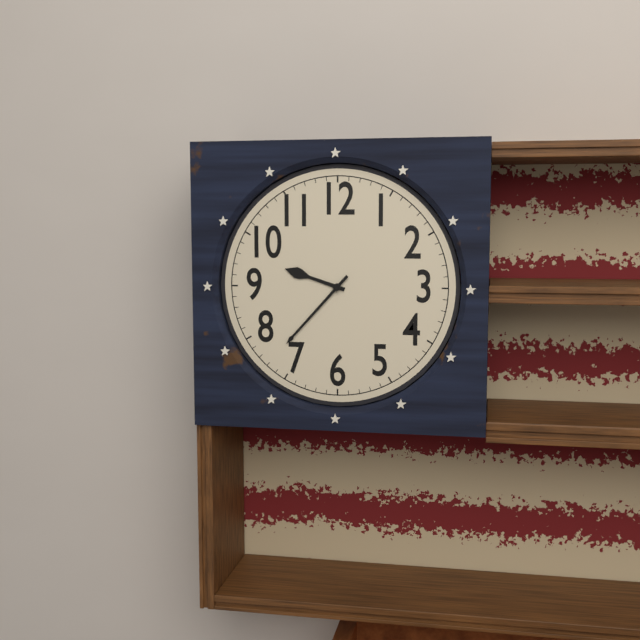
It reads 9h37
